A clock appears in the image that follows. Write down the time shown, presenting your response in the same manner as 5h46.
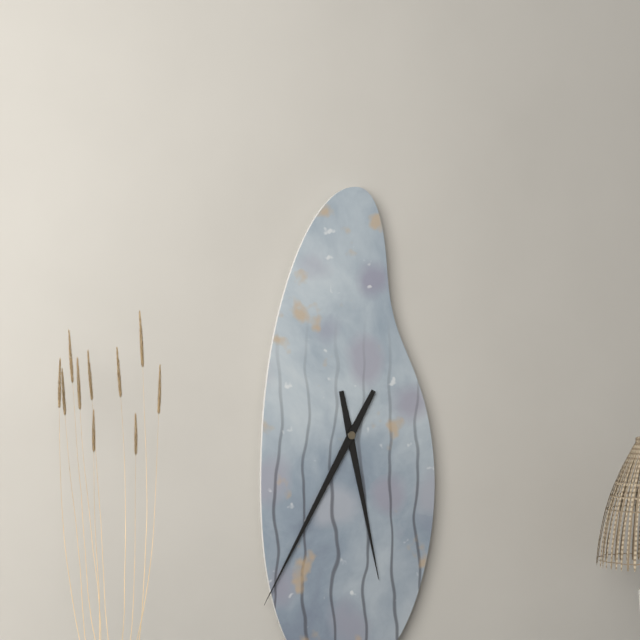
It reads 5h35
